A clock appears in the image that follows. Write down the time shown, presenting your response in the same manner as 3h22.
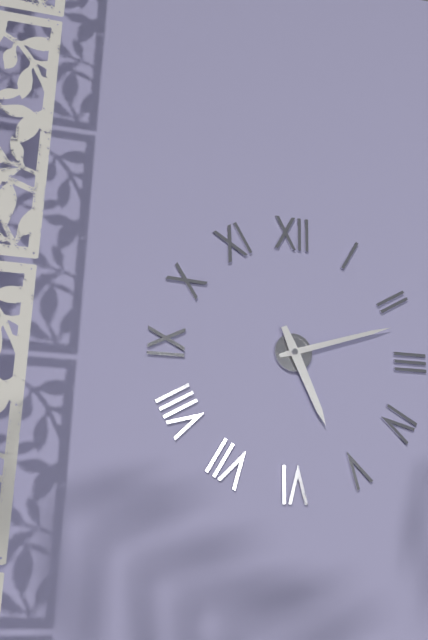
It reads 5h12
